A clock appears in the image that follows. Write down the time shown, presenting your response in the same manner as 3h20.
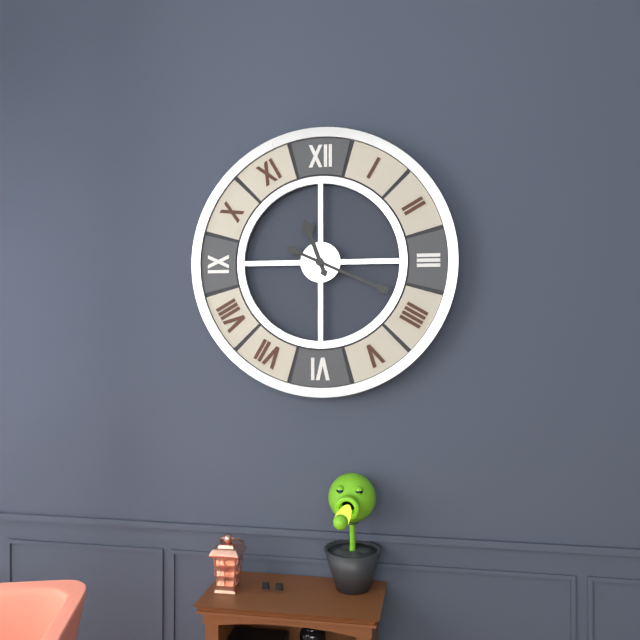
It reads 11h19
